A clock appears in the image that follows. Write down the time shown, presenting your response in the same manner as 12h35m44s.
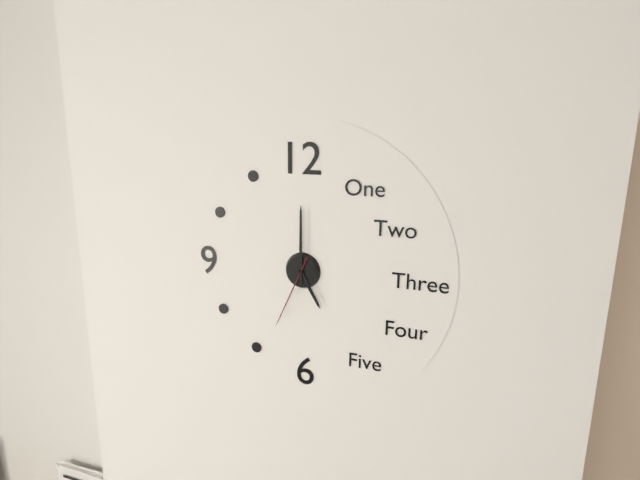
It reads 5h00m34s
